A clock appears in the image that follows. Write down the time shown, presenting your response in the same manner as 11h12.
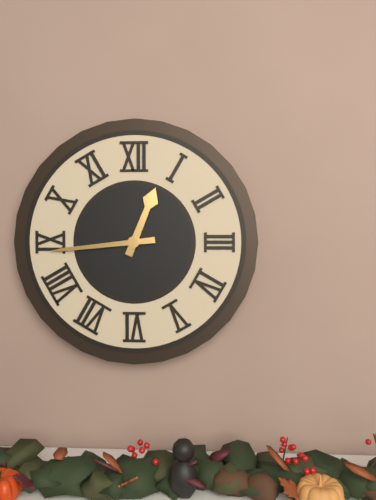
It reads 12h44
